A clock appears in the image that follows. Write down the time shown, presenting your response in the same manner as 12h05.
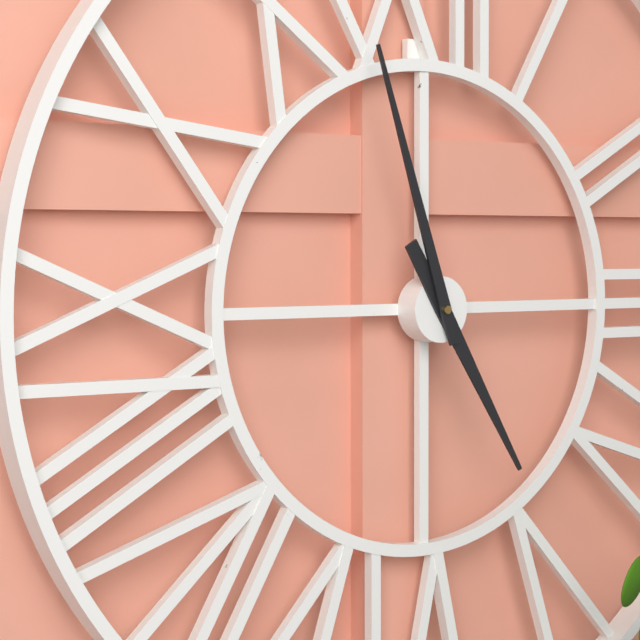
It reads 4h57
